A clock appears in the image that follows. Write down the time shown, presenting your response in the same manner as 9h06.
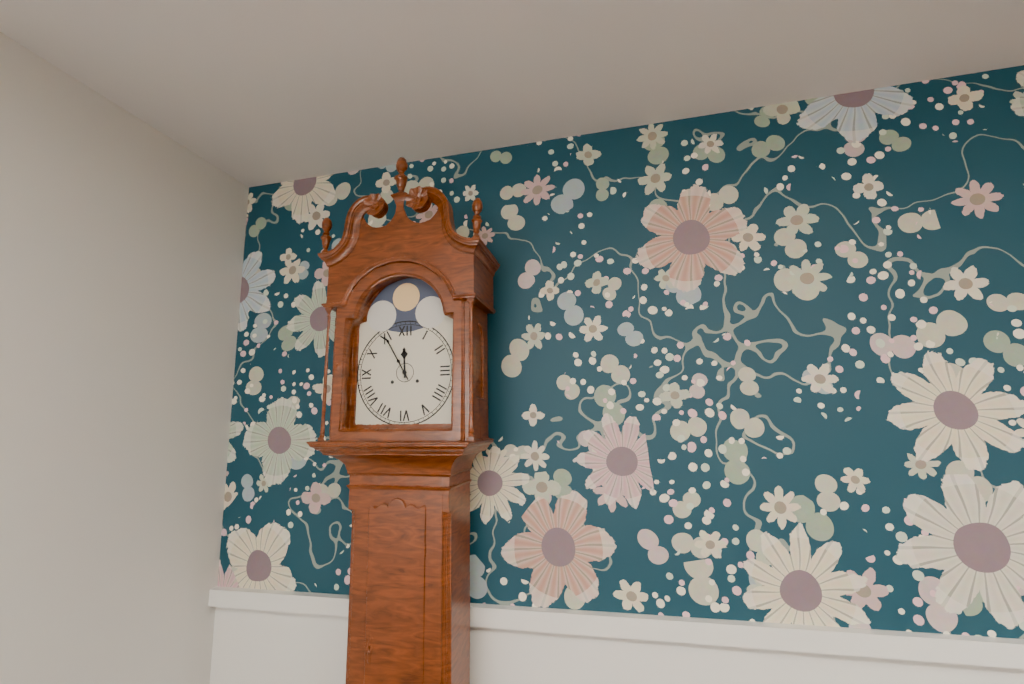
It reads 11h55
